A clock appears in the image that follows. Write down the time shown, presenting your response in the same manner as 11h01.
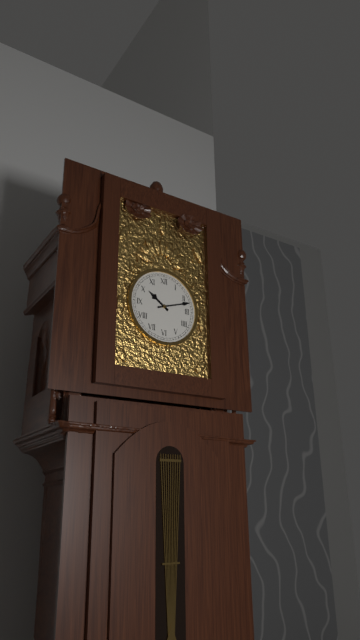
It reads 10h12
